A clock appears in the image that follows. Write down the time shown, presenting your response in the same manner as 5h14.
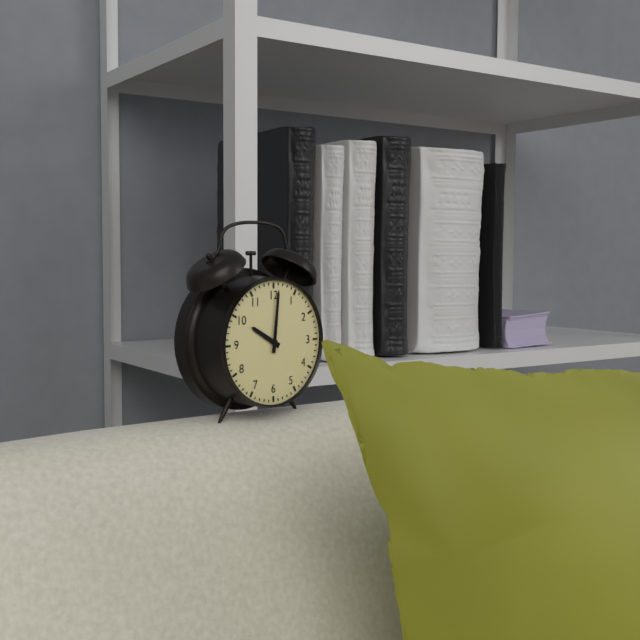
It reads 10h01
